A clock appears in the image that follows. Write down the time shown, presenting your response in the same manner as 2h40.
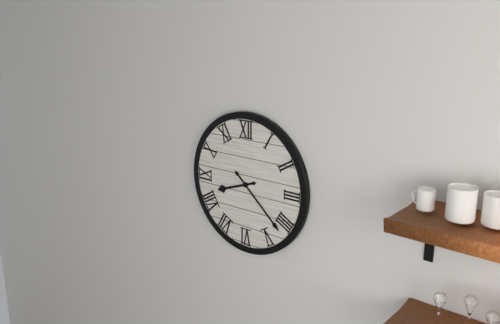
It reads 8h22
